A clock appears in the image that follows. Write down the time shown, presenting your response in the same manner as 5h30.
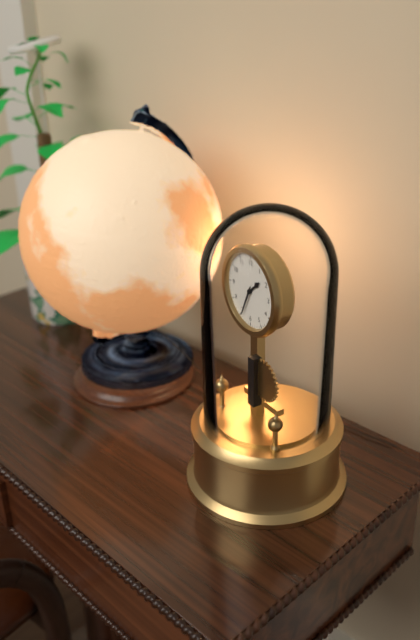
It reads 1h34
